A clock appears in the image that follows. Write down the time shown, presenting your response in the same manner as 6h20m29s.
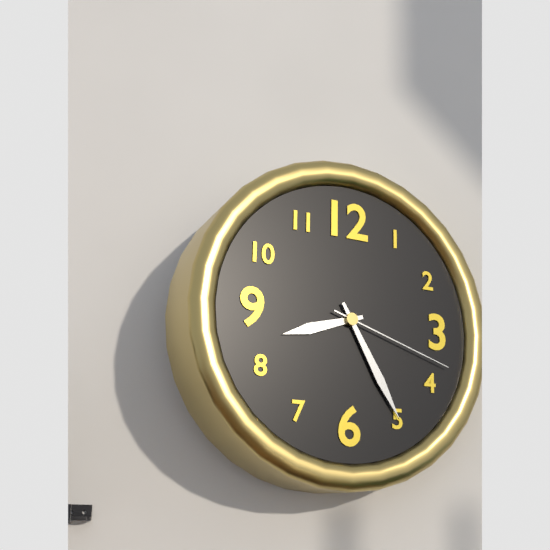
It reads 8h25m18s
